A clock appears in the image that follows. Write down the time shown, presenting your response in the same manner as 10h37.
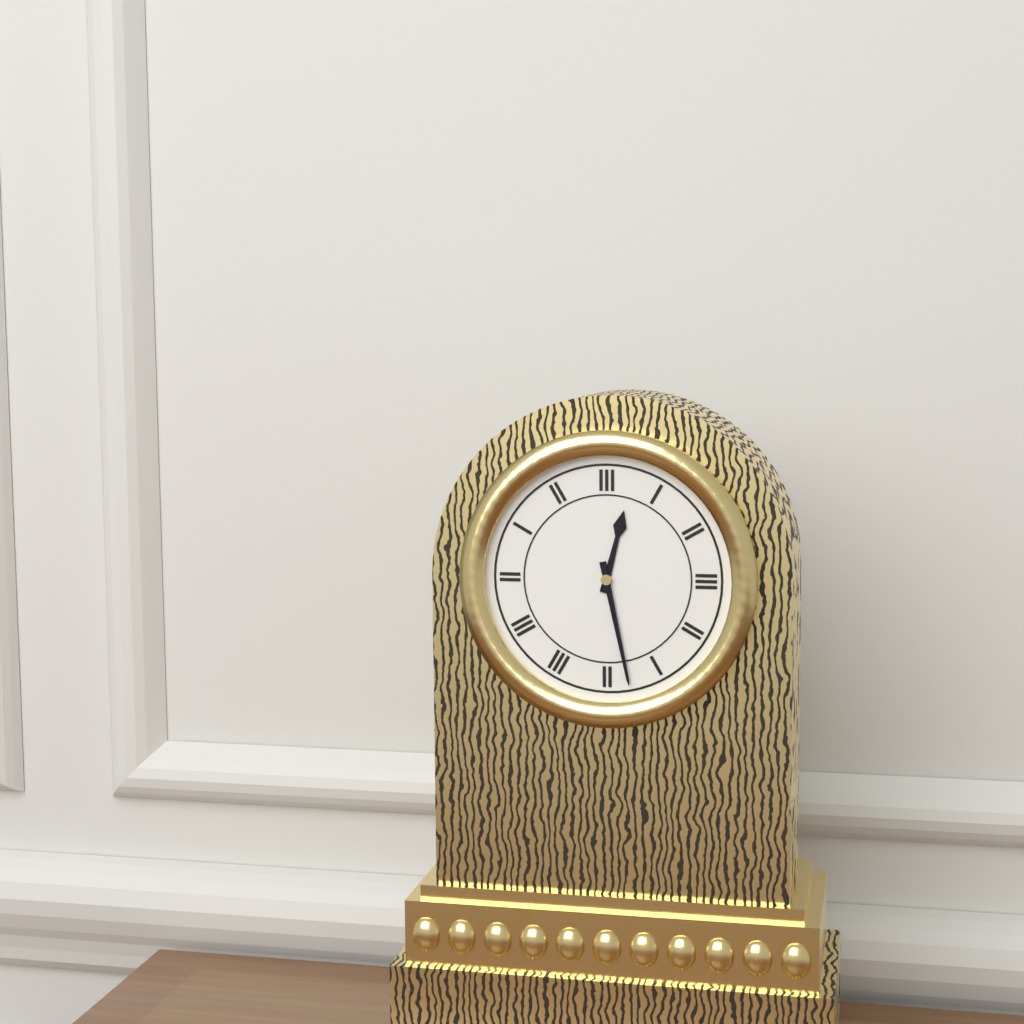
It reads 12h28
